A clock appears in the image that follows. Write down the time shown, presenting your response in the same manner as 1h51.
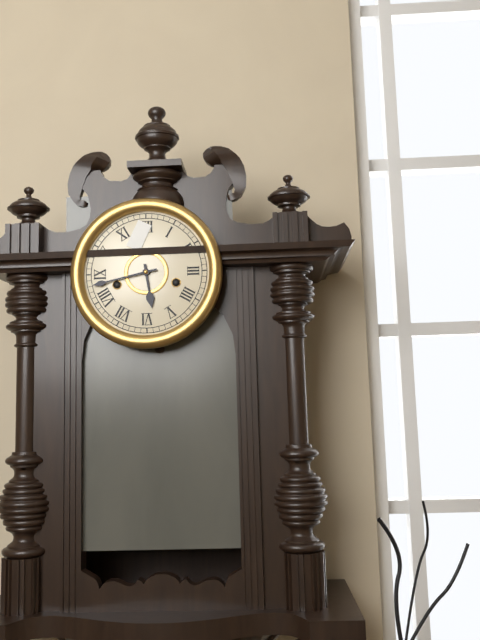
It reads 5h43
